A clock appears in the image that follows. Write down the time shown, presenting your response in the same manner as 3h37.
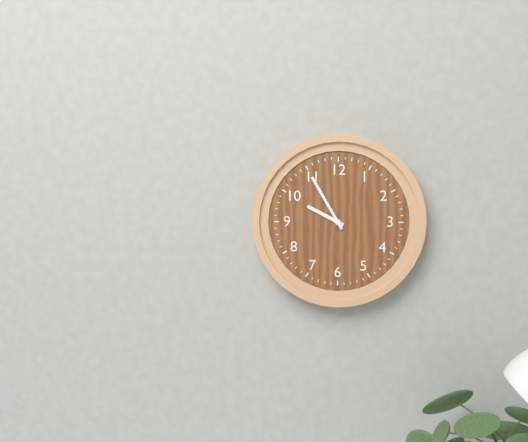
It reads 9h55
